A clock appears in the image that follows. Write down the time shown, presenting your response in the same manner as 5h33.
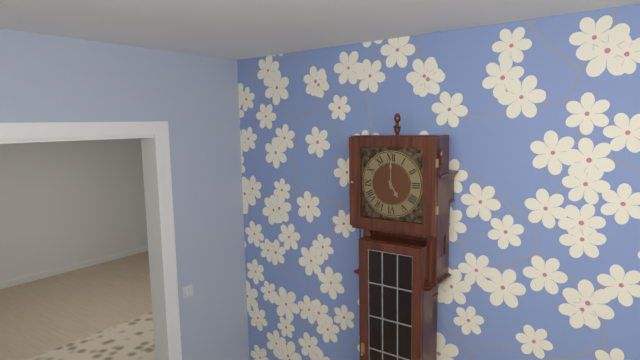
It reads 5h00
